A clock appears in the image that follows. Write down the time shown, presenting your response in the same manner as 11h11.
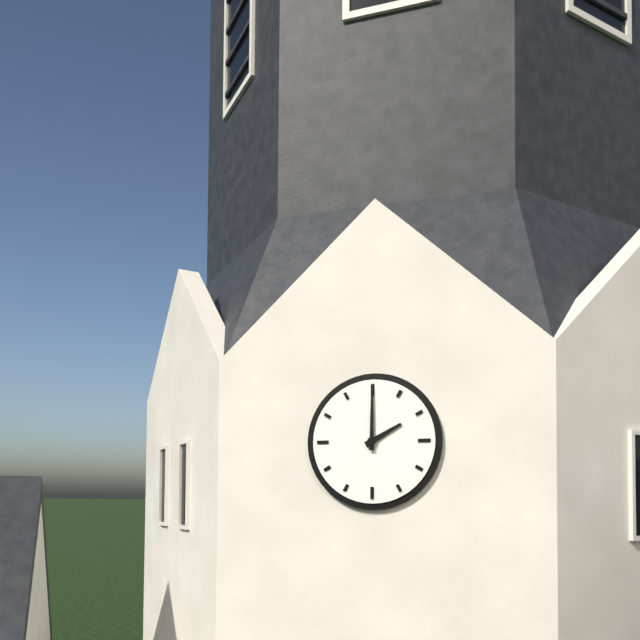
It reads 2h00
